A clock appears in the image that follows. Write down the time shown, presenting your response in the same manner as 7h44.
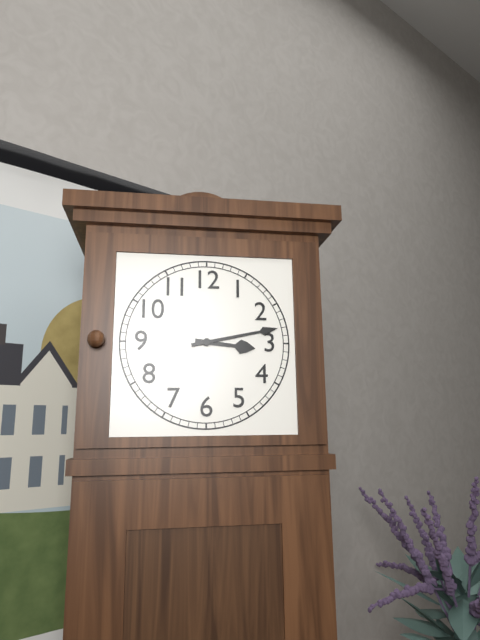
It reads 3h13
